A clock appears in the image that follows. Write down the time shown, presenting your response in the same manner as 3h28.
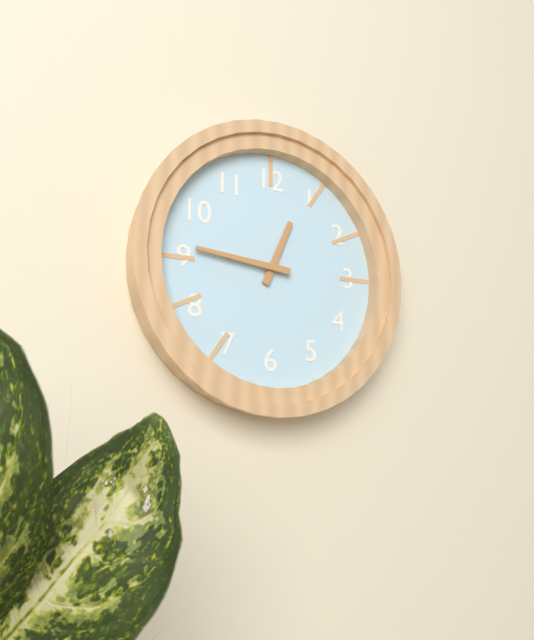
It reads 12h46
